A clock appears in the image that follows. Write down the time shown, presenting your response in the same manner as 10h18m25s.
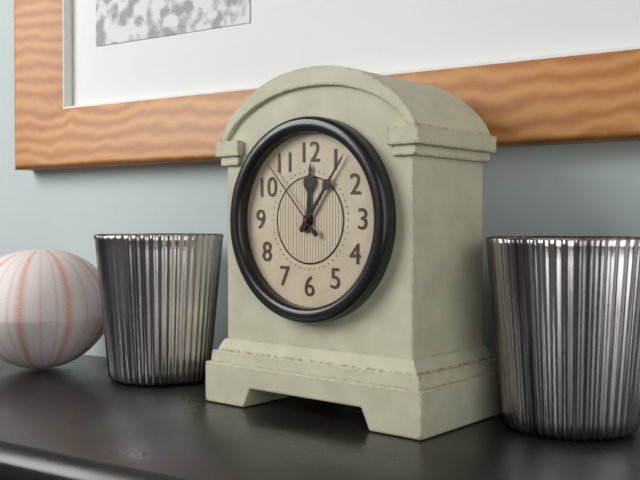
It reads 12h06m53s
